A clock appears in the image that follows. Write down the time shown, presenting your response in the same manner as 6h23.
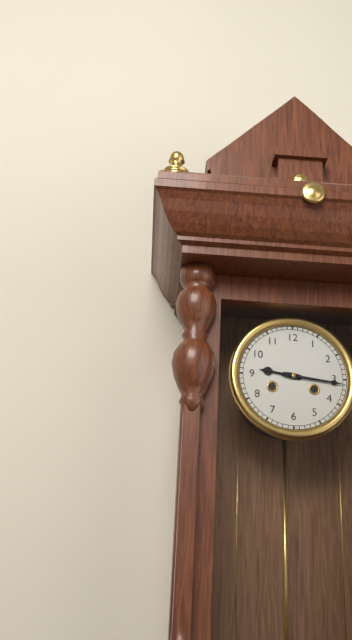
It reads 9h16
